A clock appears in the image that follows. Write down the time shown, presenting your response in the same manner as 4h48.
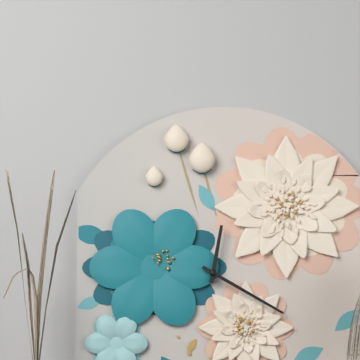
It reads 12h20
